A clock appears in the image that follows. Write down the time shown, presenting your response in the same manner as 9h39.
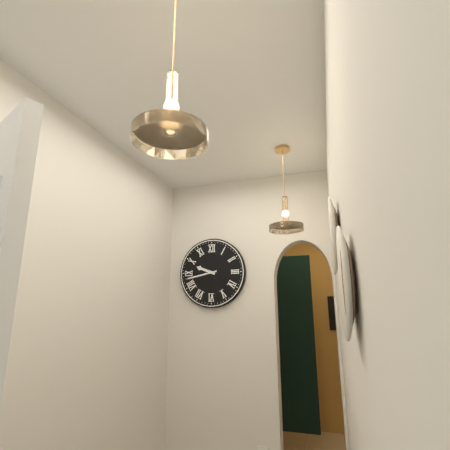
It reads 9h43
